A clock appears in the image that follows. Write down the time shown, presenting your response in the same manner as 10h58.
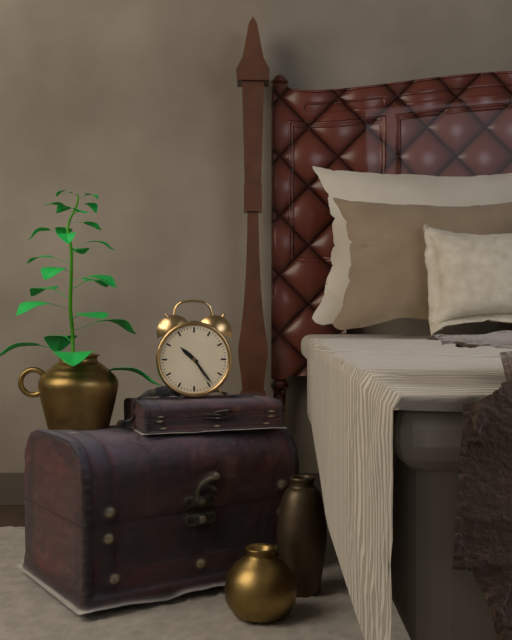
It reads 10h24
